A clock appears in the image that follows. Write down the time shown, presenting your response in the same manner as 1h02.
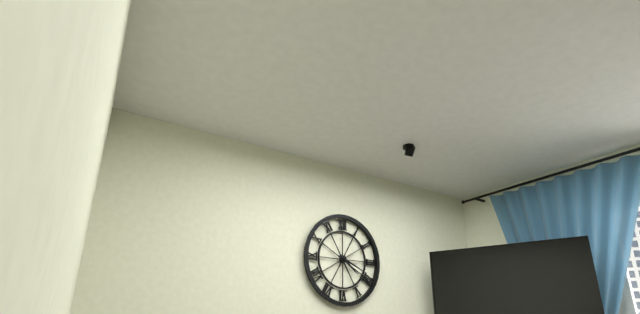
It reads 4h19
